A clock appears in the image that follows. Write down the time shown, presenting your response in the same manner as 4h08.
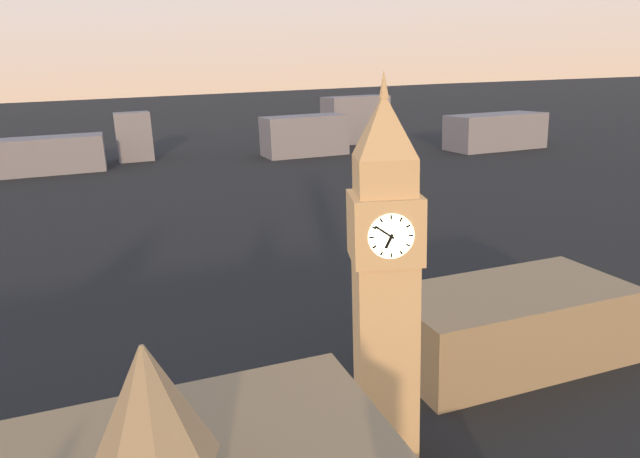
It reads 6h51
